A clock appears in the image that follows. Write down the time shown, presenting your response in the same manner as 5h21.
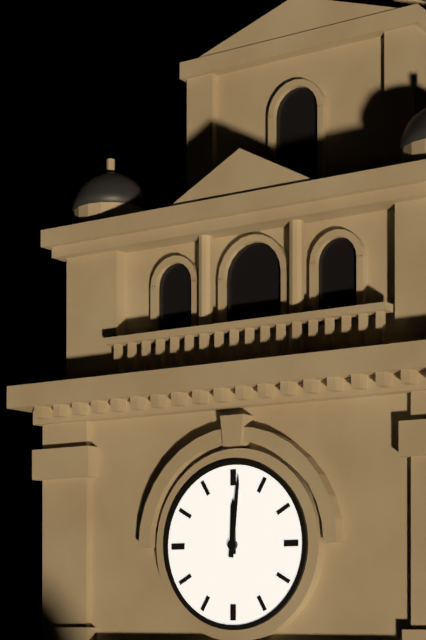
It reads 12h01
